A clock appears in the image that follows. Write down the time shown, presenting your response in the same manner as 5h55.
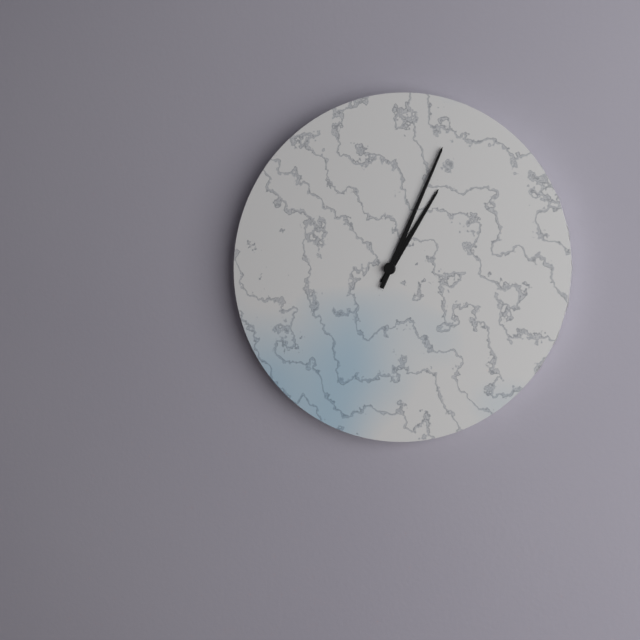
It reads 1h04
